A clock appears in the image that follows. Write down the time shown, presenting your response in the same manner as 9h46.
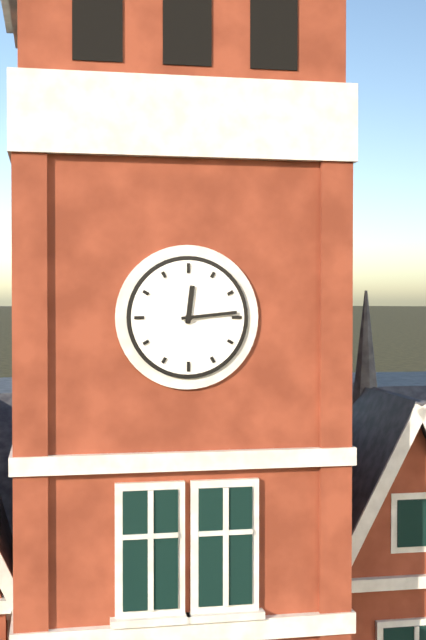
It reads 12h14
